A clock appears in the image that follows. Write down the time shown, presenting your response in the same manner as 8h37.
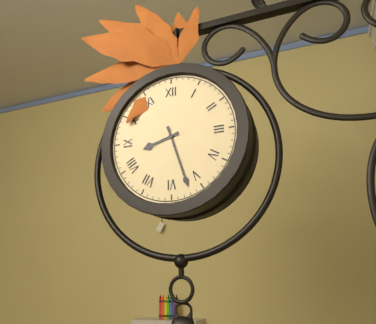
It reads 8h27
